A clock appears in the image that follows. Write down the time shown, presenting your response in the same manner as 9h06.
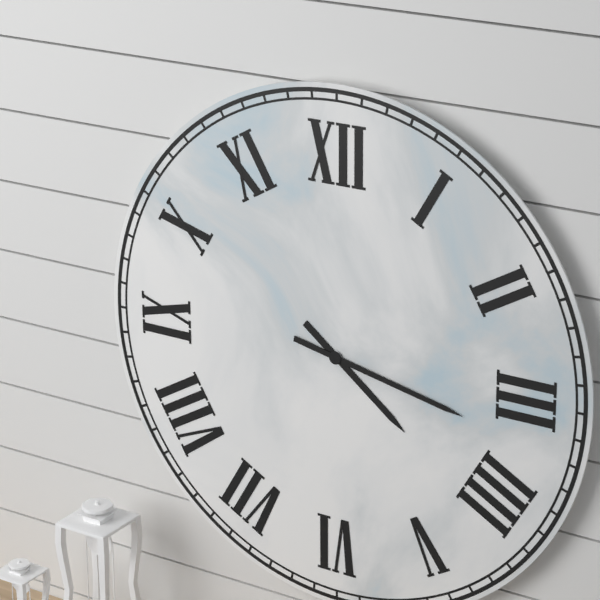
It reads 4h17
